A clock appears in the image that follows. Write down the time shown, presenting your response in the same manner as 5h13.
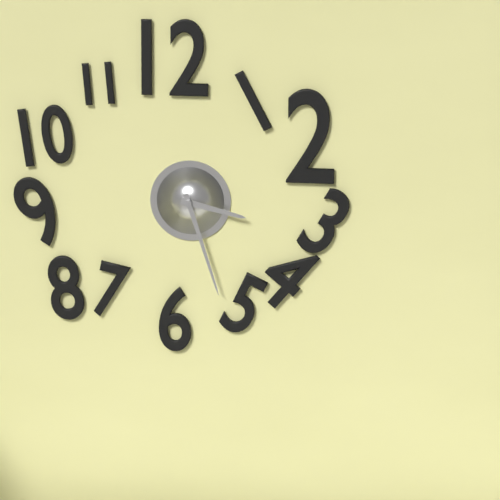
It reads 3h27
